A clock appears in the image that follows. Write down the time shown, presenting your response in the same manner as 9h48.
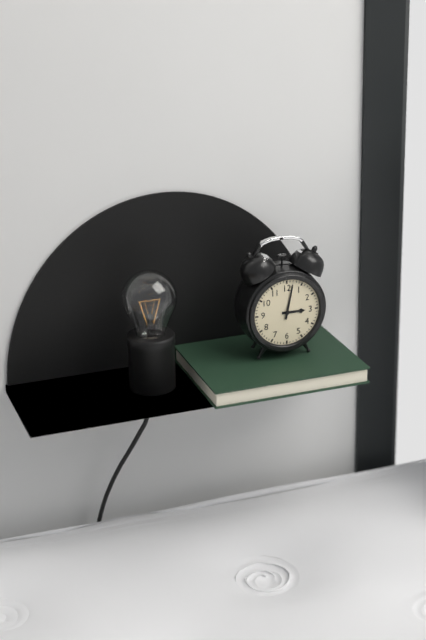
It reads 3h02
